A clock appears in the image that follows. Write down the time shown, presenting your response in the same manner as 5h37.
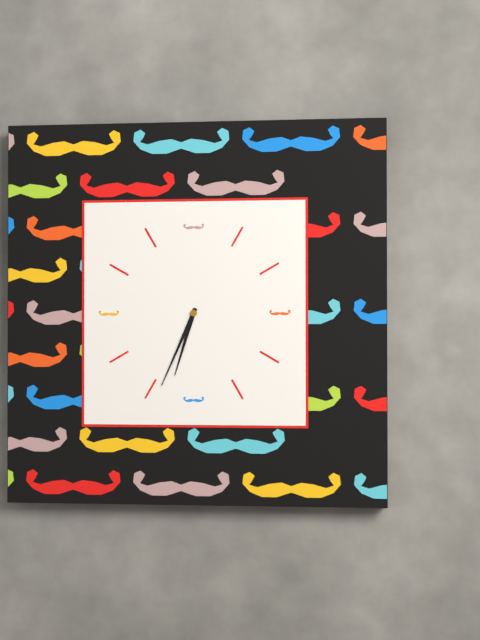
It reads 6h34
